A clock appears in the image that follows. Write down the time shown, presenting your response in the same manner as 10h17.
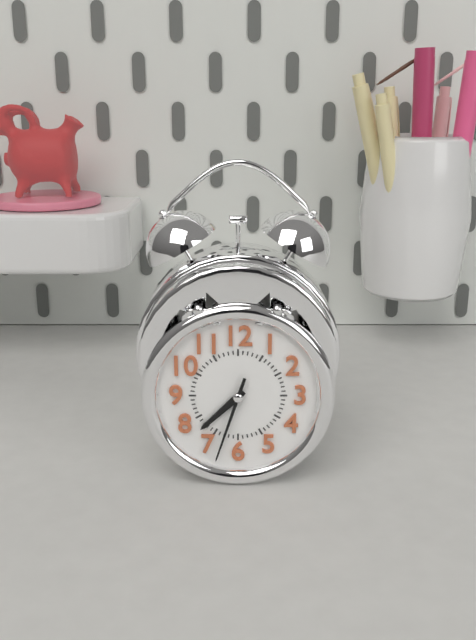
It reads 7h33
